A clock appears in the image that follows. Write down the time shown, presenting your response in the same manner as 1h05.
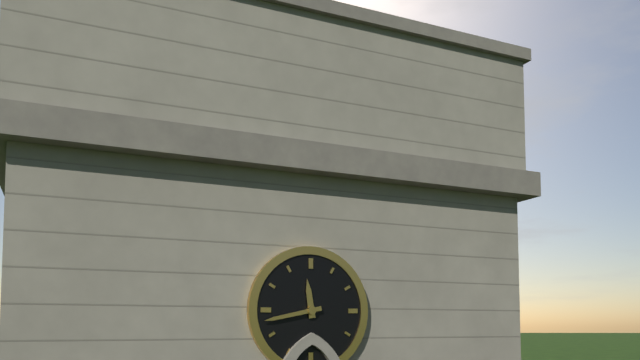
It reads 11h43
